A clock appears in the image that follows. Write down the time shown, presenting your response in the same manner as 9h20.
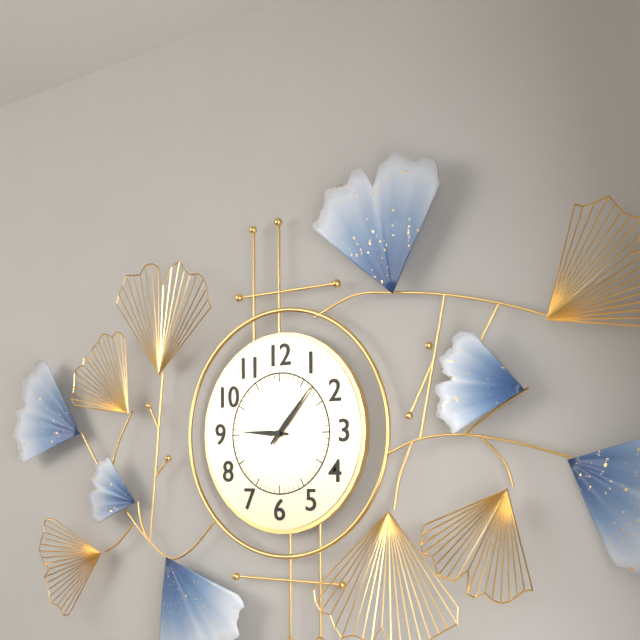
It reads 9h07
